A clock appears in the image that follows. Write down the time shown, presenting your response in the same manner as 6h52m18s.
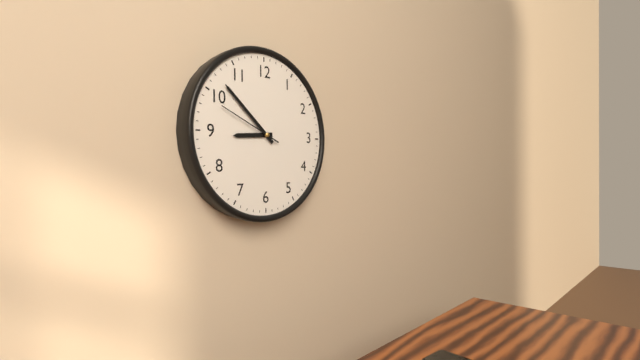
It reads 8h52m49s
